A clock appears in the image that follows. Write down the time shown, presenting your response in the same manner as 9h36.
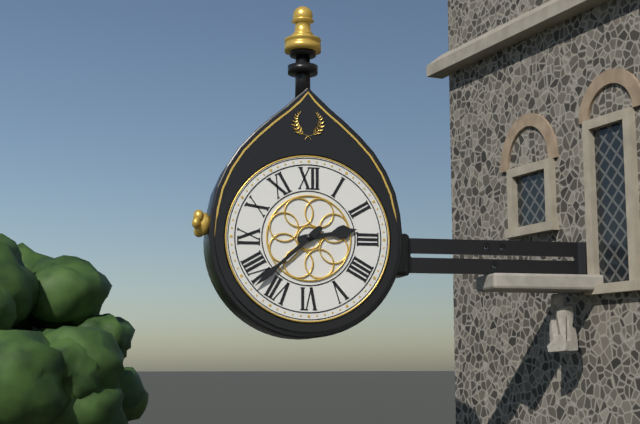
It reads 2h38
